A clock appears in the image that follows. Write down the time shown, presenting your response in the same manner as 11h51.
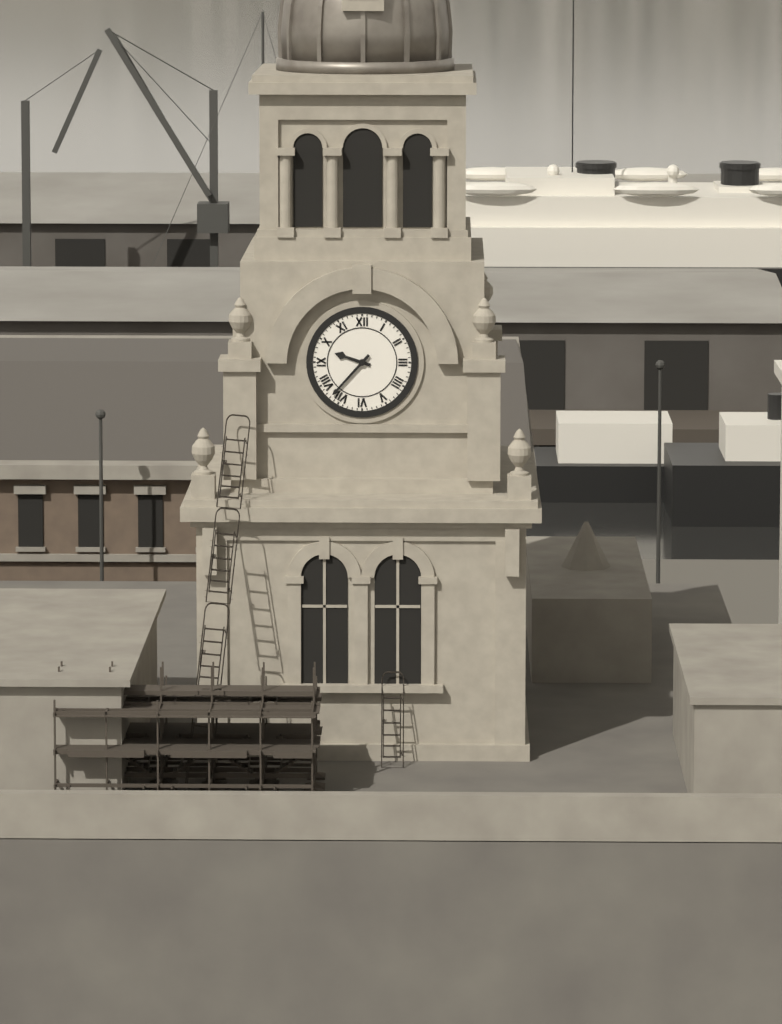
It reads 9h37
